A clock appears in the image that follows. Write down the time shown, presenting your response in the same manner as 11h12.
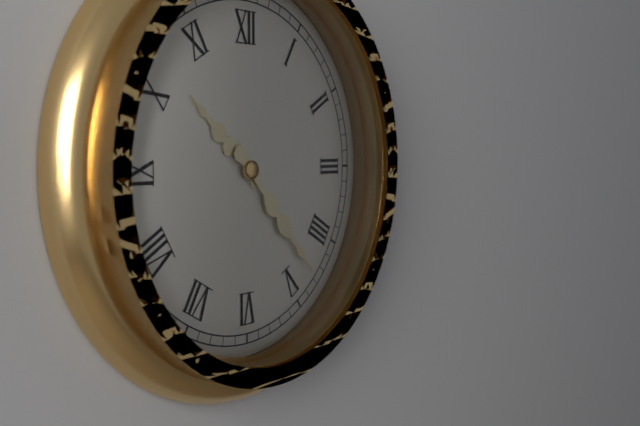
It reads 10h23
